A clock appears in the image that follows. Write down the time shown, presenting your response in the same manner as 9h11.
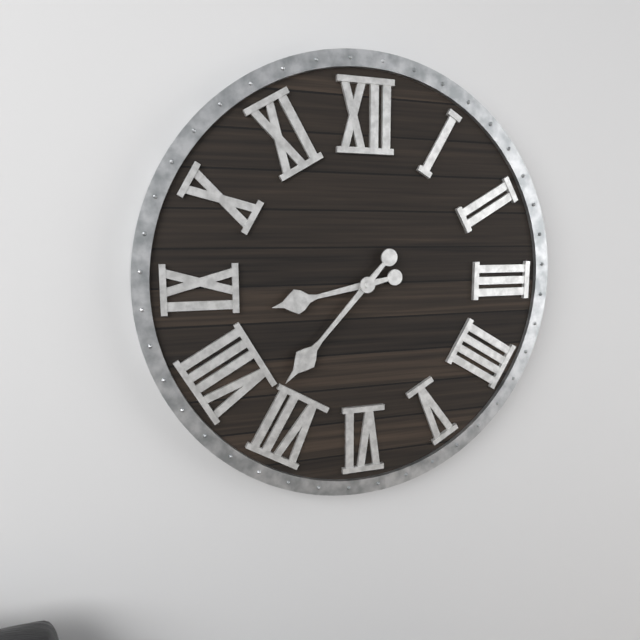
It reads 8h37
